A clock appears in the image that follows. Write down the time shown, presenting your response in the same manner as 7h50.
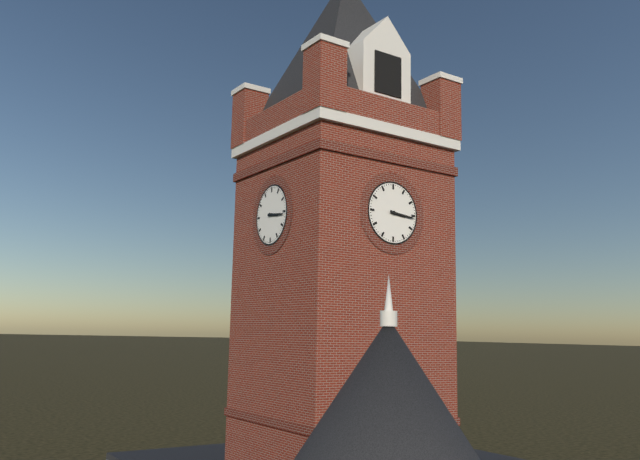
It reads 3h16
